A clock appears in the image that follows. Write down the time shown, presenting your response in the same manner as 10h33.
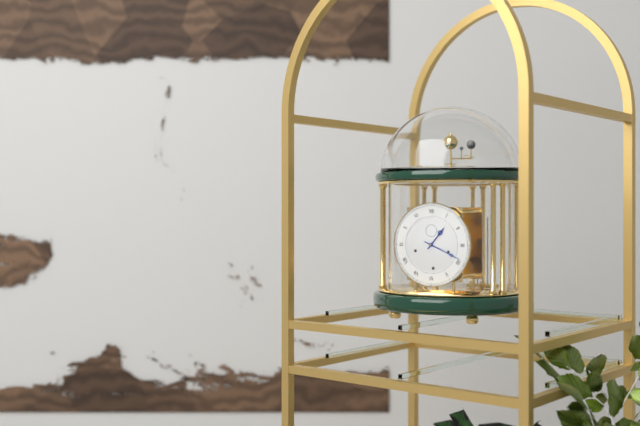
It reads 1h19
